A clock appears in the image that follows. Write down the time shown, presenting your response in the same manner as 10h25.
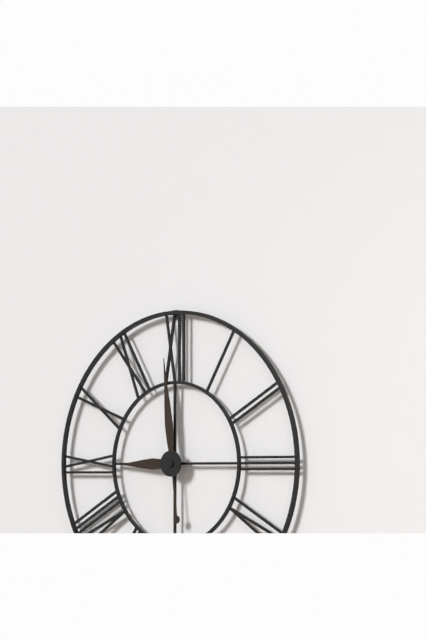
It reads 8h59
